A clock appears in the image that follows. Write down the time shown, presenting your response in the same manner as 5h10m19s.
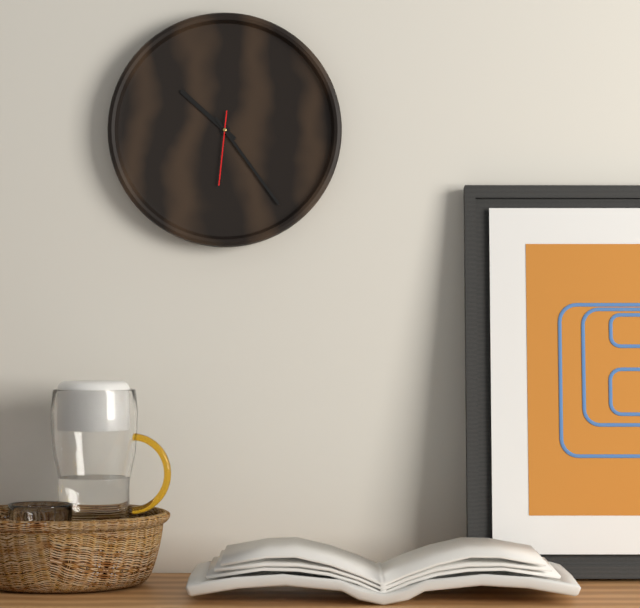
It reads 10h24m31s
